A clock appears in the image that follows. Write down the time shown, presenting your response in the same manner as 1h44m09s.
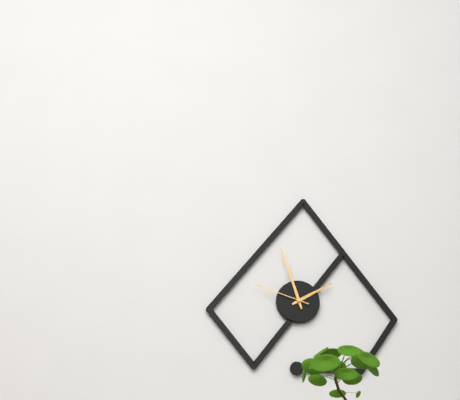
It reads 1h57m48s
